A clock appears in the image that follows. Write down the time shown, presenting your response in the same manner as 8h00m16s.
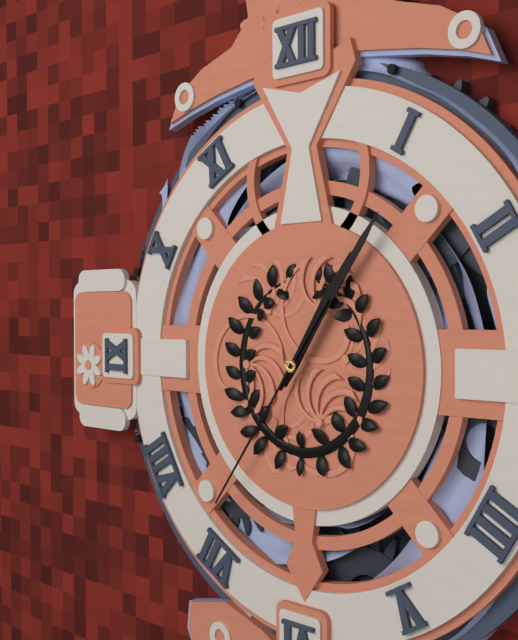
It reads 1h06m36s
